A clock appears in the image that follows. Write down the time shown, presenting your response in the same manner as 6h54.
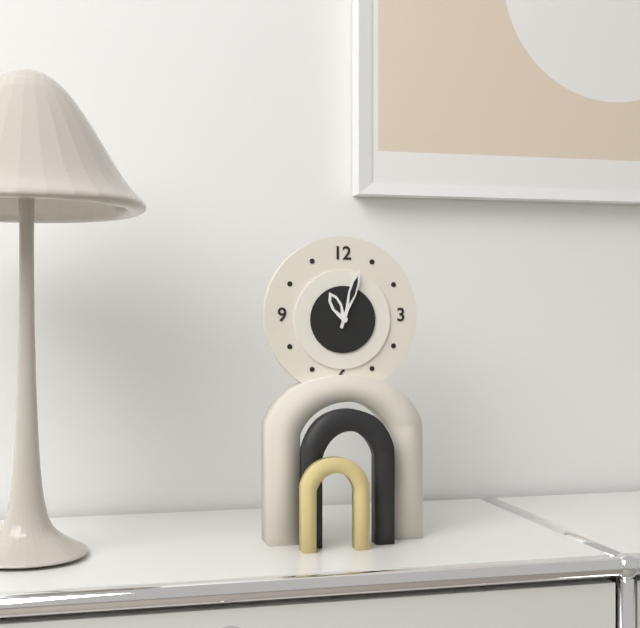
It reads 11h03
